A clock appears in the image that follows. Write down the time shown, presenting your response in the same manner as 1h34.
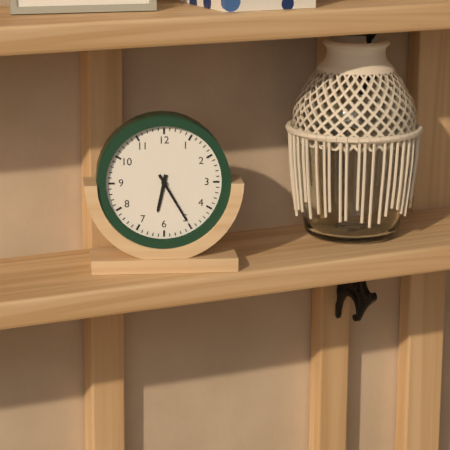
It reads 6h25
